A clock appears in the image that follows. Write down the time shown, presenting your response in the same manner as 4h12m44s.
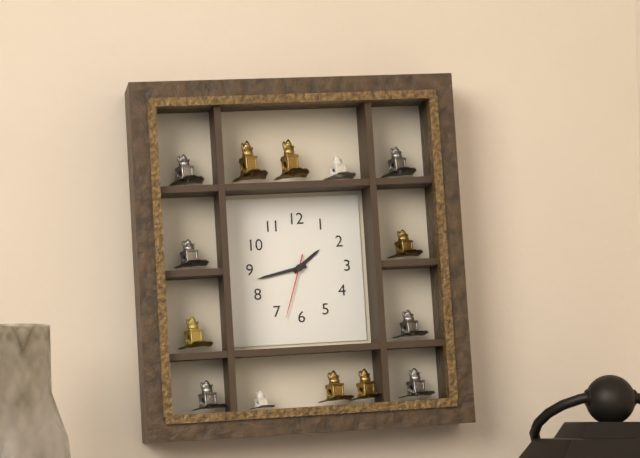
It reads 1h43m33s
